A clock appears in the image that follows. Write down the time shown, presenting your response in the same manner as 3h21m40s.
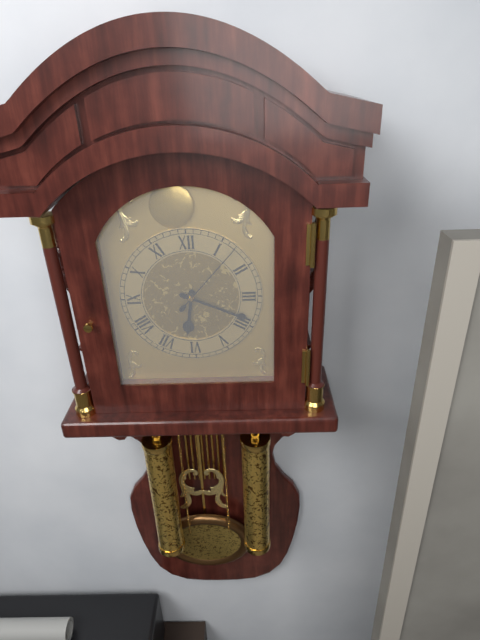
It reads 6h19m07s
